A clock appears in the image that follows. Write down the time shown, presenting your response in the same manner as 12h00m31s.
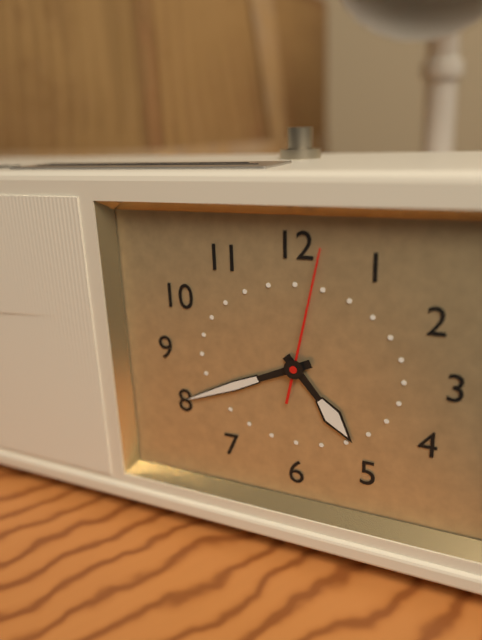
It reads 4h41m02s
